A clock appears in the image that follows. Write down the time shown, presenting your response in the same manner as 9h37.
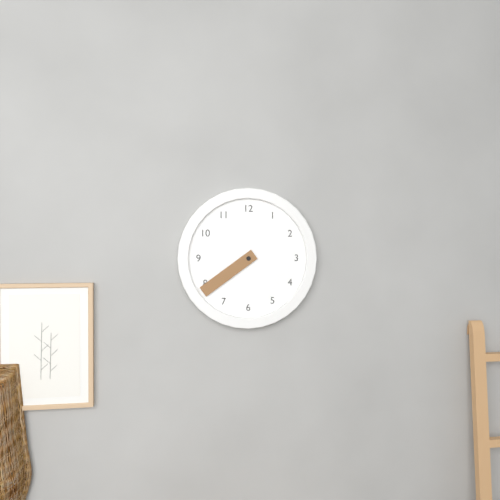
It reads 7h39
